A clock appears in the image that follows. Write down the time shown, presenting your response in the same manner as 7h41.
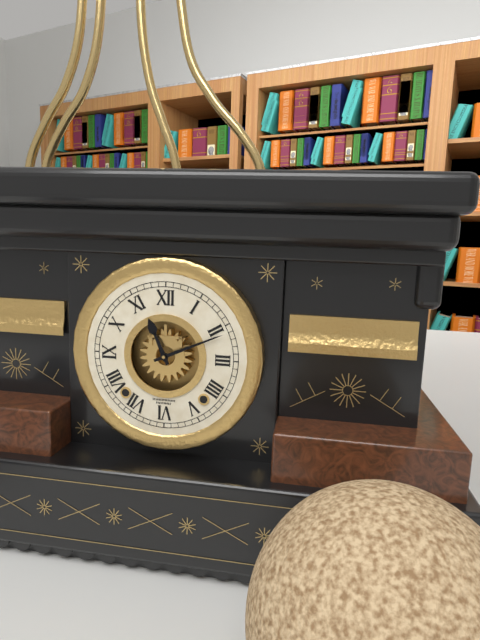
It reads 11h11
